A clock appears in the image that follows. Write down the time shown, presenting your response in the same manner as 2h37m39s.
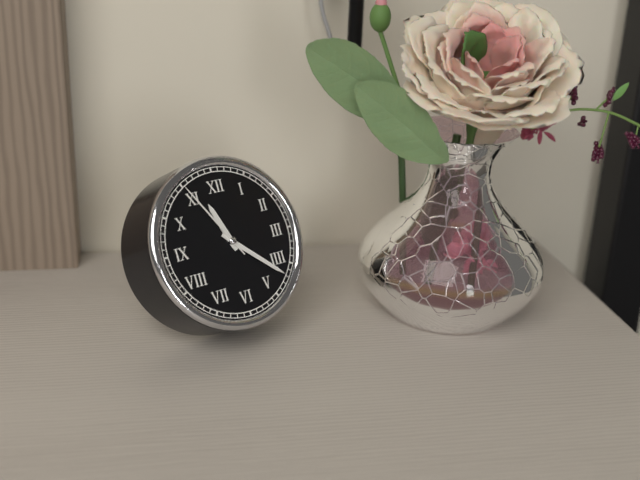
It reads 11h22m55s
